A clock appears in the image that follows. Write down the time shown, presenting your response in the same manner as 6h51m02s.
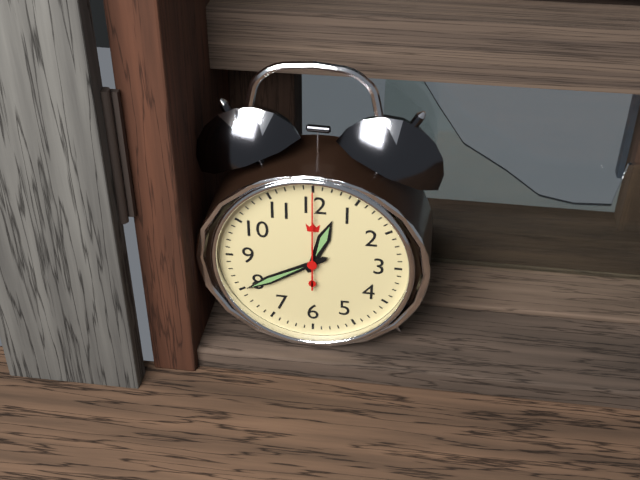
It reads 12h40m00s
